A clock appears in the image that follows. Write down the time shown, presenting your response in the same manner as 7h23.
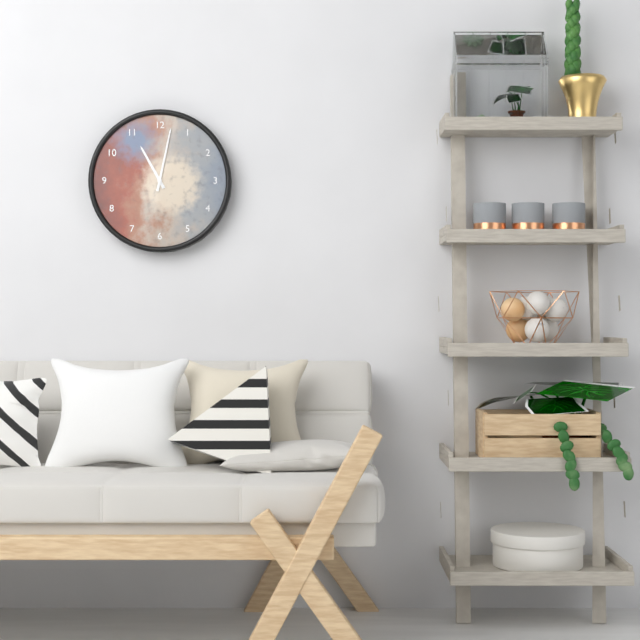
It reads 11h02
